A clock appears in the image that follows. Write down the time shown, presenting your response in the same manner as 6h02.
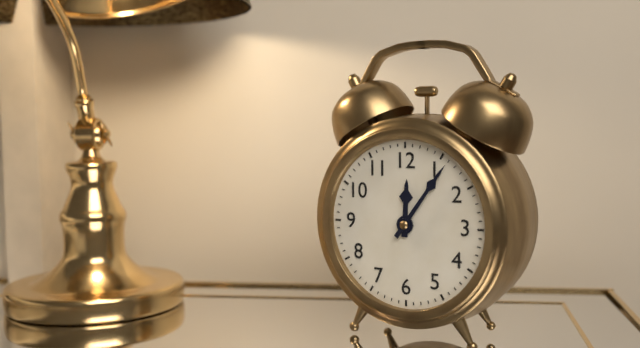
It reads 12h06
